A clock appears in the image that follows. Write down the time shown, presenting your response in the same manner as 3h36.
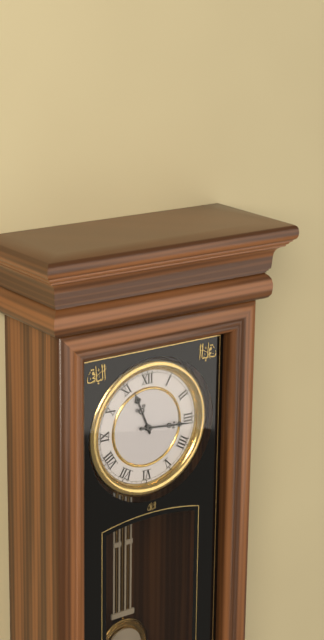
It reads 11h16
